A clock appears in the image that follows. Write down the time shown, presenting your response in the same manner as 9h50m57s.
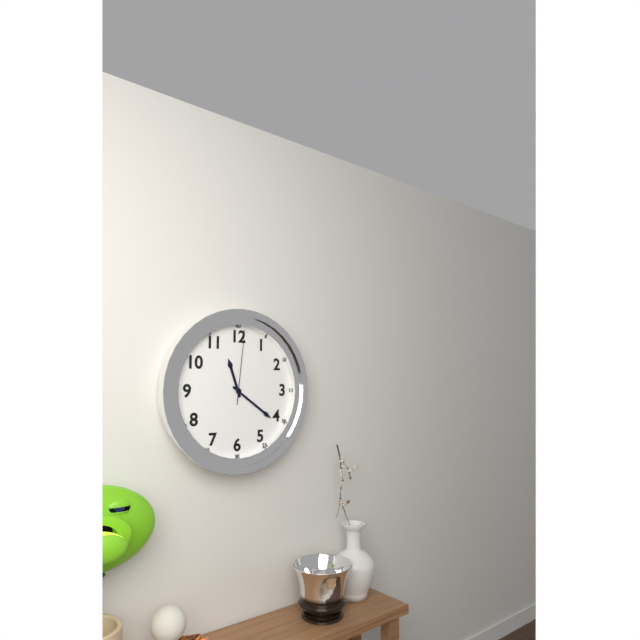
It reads 11h21m01s
